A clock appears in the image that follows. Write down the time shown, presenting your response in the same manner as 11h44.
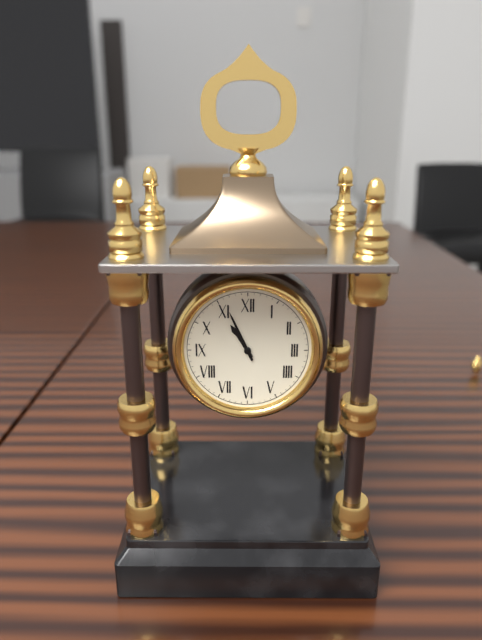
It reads 10h56
